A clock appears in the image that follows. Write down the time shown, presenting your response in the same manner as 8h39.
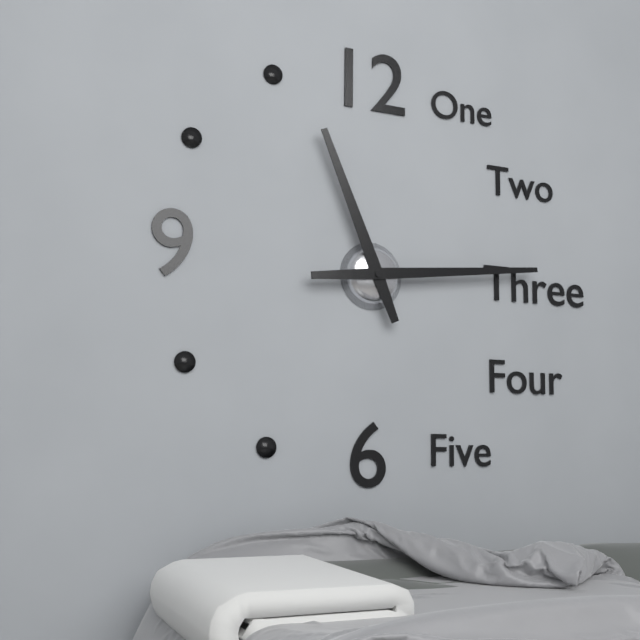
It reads 11h14
